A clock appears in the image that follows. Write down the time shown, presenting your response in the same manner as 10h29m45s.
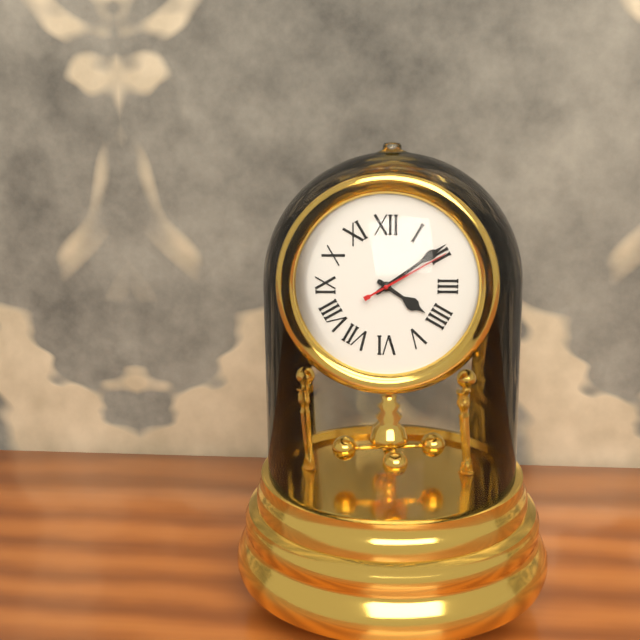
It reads 4h09m10s
